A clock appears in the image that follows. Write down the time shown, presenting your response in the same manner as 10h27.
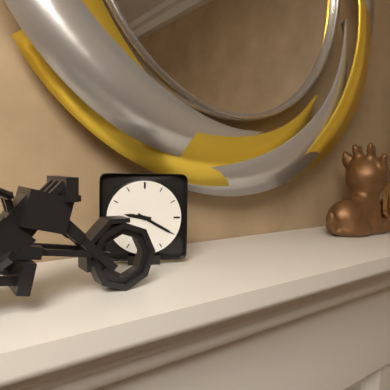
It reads 9h20
